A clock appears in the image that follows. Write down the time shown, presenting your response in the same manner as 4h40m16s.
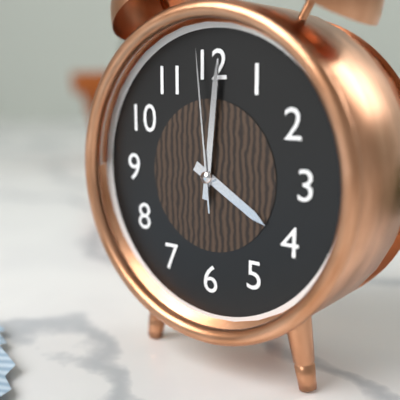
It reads 4h01m59s
